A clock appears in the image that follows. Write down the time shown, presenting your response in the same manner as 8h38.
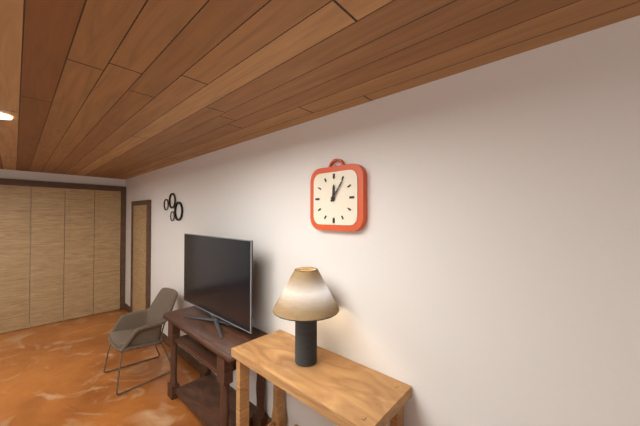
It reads 12h06
